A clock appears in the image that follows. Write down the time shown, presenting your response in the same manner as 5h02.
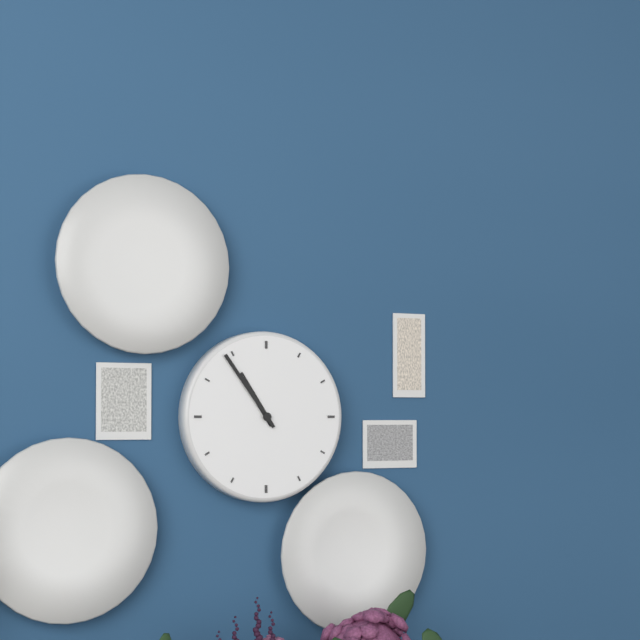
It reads 10h54
